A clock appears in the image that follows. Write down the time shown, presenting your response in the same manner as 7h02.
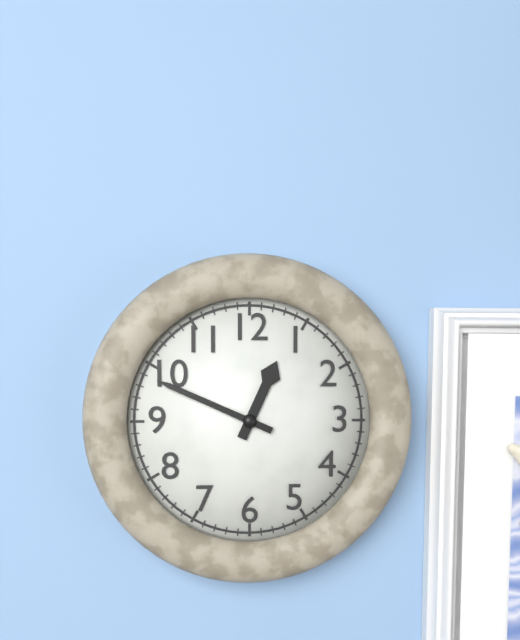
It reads 12h49
